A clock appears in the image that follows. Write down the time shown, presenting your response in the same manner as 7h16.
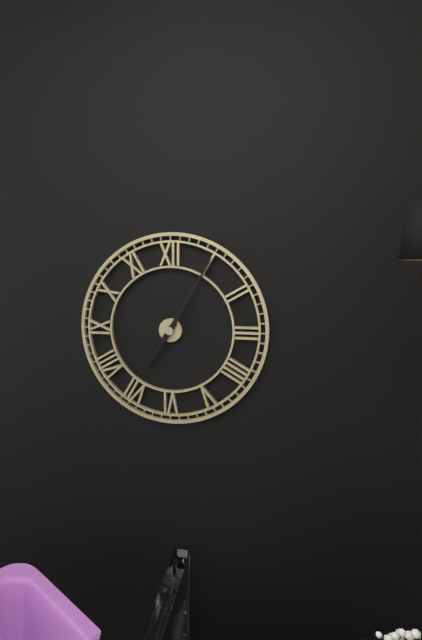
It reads 7h05
